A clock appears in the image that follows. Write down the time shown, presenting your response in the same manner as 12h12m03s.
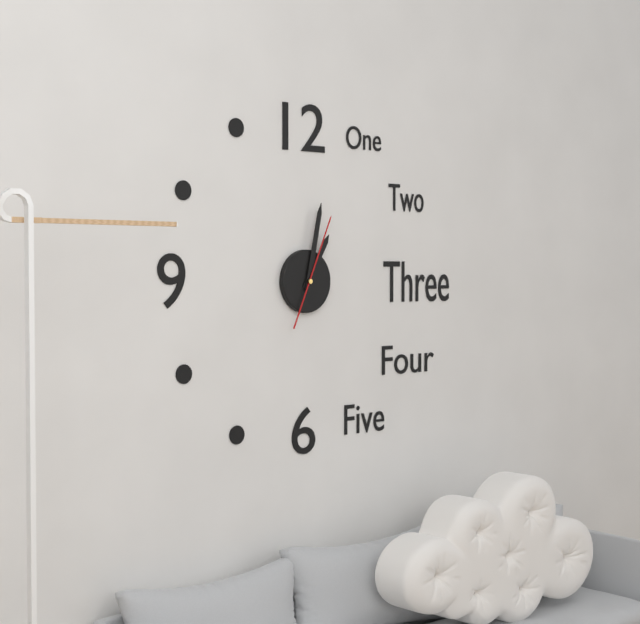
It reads 1h02m04s
